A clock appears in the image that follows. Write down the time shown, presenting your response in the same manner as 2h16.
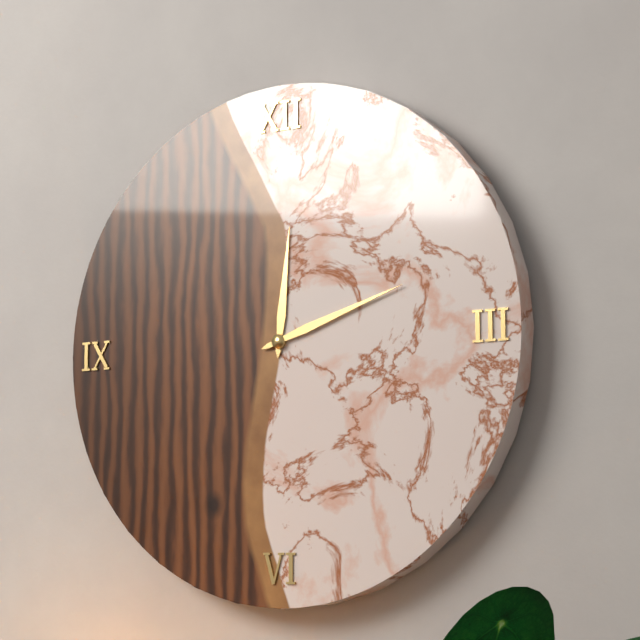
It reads 12h12
